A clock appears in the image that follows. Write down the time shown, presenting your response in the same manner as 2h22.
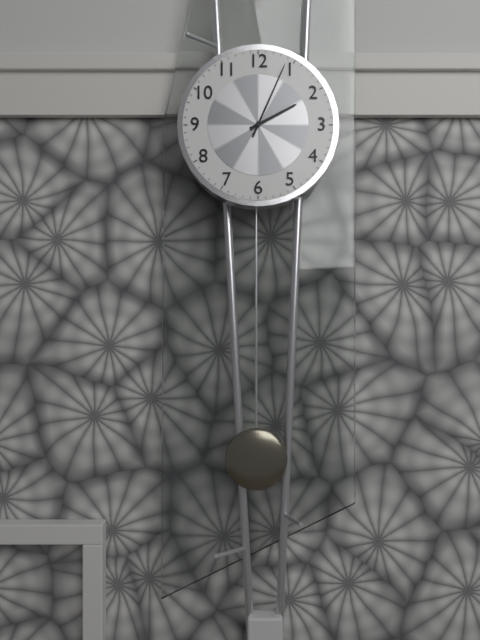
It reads 2h04
